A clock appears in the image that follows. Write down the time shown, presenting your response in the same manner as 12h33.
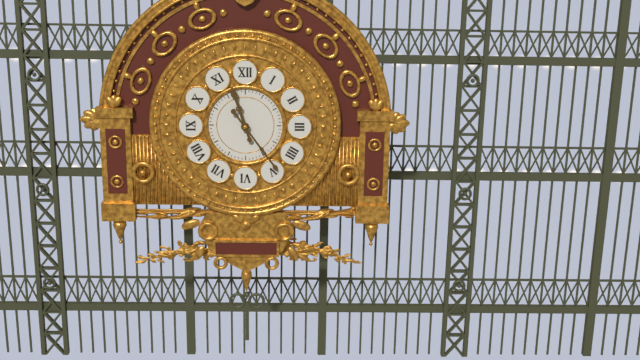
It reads 11h24
